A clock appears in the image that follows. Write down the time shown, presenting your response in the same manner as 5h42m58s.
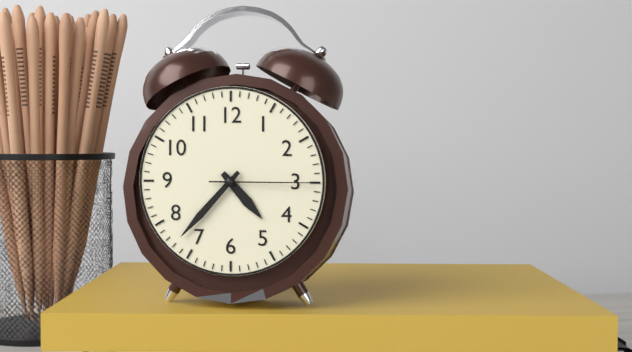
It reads 4h37m15s
